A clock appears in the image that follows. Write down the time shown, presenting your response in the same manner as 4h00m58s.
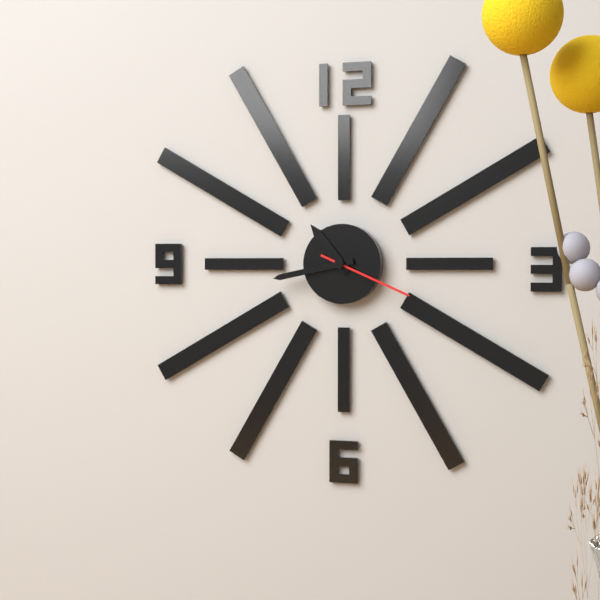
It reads 10h43m19s
